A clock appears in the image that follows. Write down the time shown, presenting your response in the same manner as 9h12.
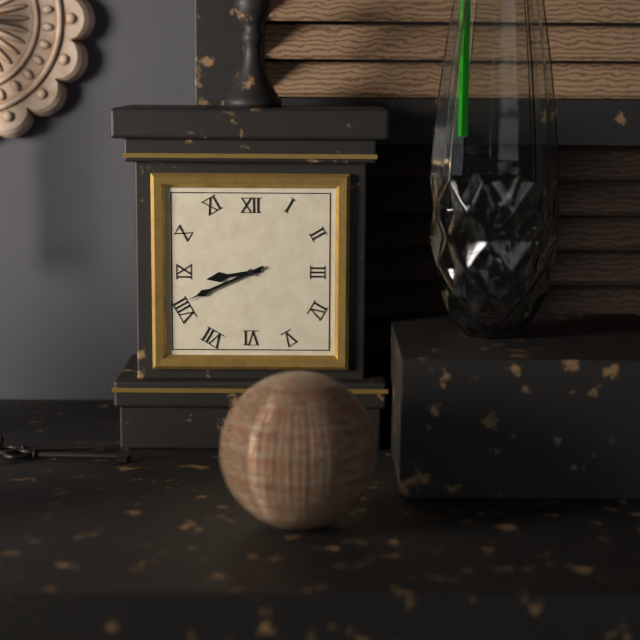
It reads 8h41
